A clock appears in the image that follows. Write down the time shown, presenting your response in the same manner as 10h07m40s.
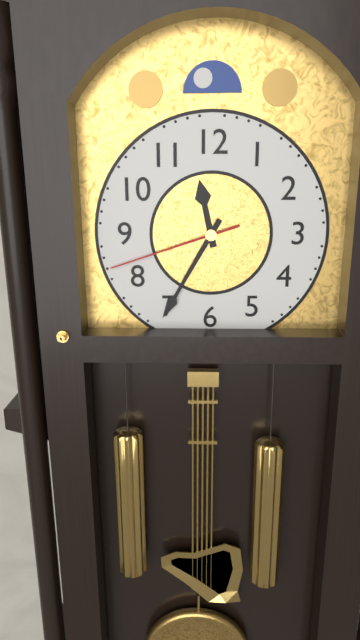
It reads 11h35m42s
